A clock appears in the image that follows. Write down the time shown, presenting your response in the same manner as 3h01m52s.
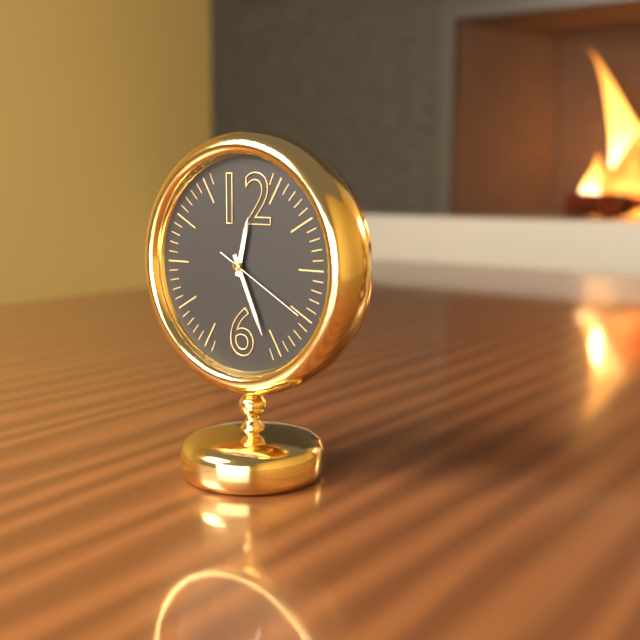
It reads 12h26m20s
